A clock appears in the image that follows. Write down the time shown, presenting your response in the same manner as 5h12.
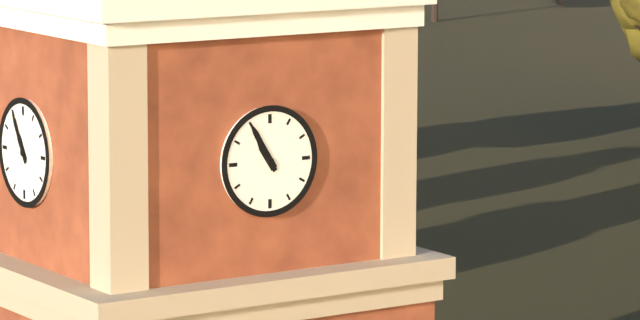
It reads 10h55
